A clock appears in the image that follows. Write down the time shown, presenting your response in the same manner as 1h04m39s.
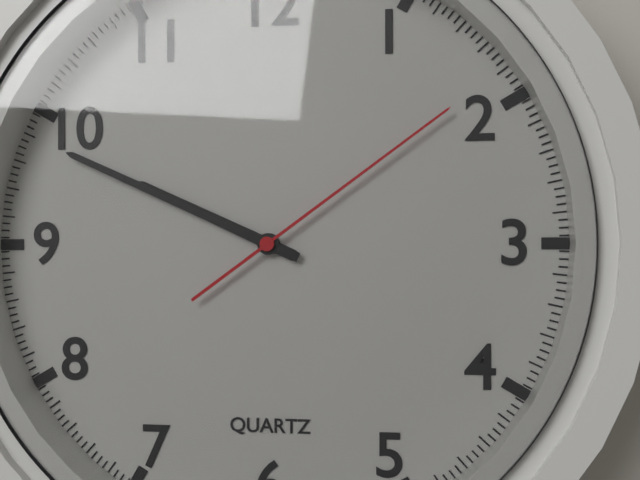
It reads 9h49m09s
